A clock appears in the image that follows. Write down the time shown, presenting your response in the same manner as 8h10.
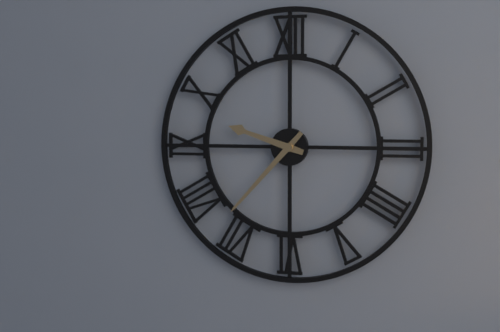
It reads 9h37
